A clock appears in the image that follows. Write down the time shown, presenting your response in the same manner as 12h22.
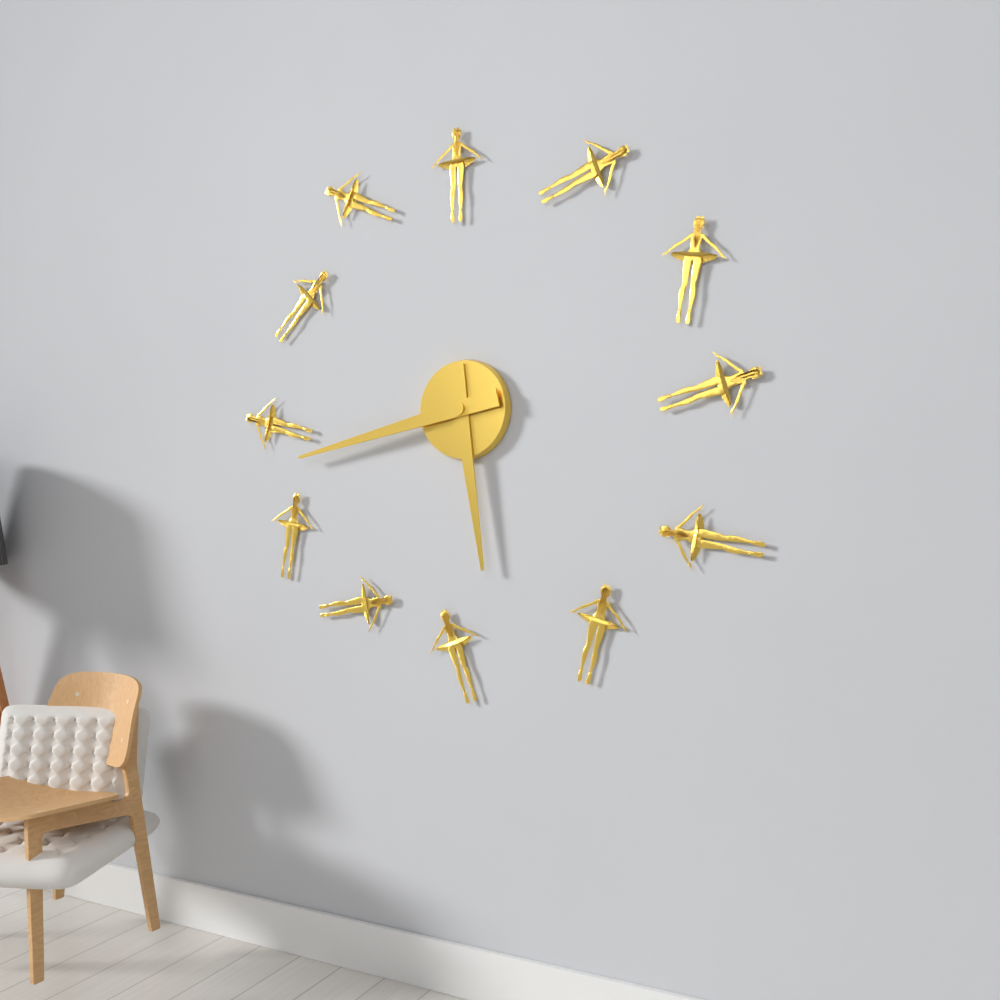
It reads 5h43
